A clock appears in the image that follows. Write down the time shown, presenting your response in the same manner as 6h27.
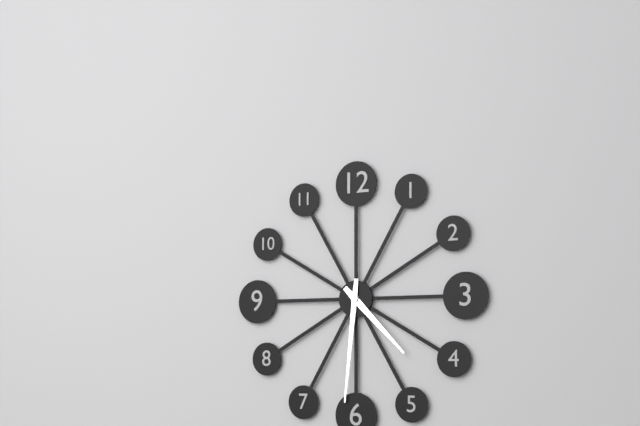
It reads 4h31
